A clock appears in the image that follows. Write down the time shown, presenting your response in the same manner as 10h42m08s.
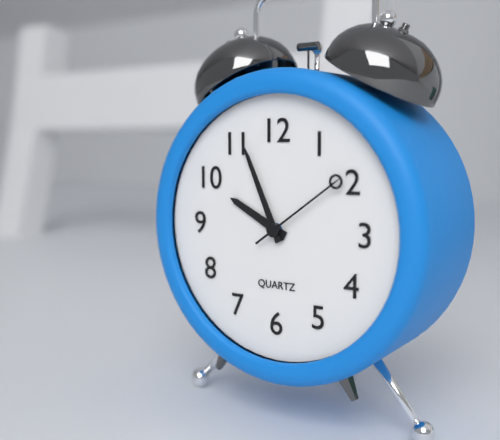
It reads 9h56m09s
